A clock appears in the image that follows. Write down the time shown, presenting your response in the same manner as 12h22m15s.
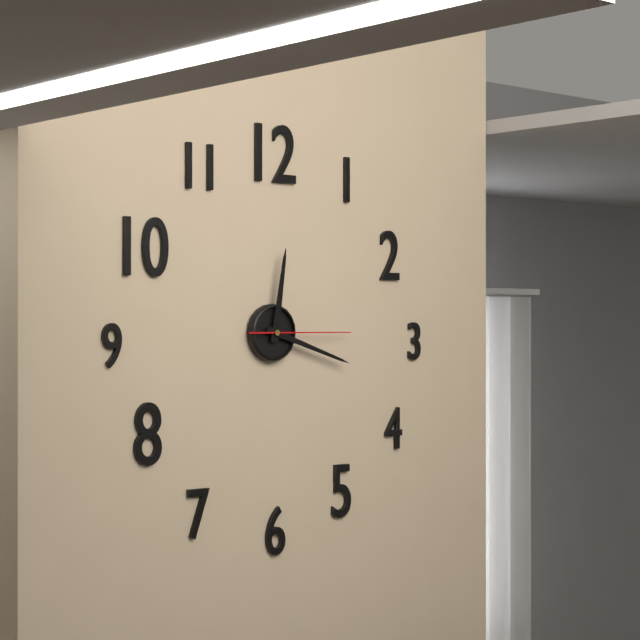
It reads 12h18m15s
